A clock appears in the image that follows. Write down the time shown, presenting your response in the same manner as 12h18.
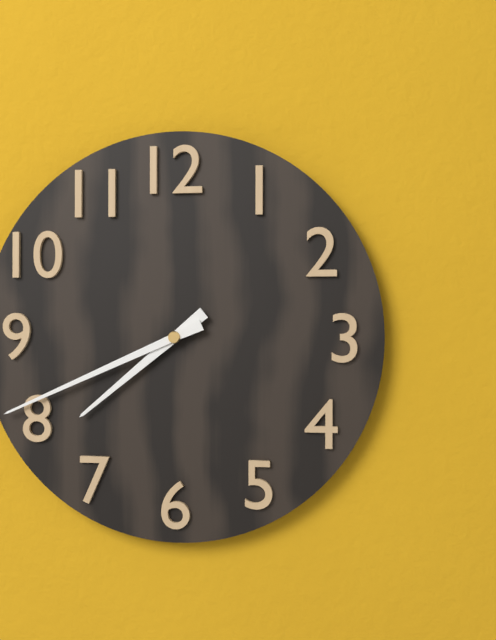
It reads 7h41
